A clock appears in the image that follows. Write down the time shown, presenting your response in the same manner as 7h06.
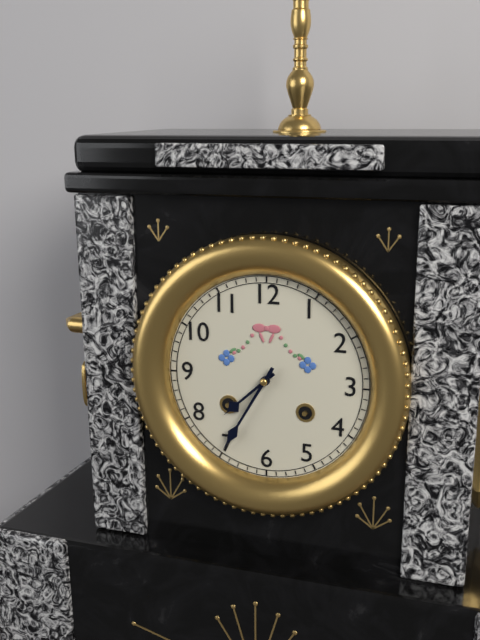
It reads 7h35
